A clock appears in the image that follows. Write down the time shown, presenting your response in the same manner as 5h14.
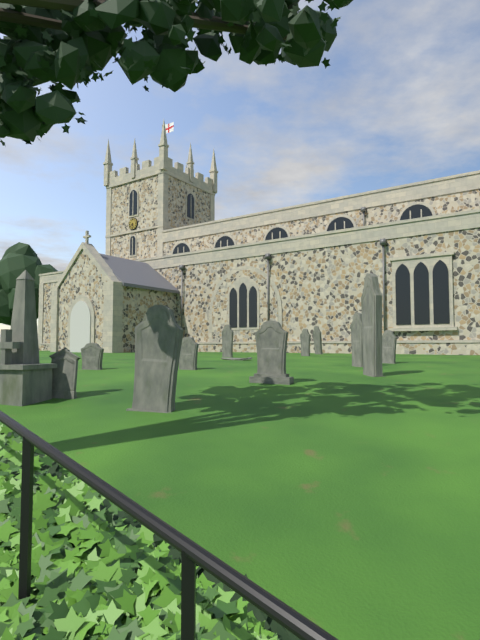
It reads 5h37
